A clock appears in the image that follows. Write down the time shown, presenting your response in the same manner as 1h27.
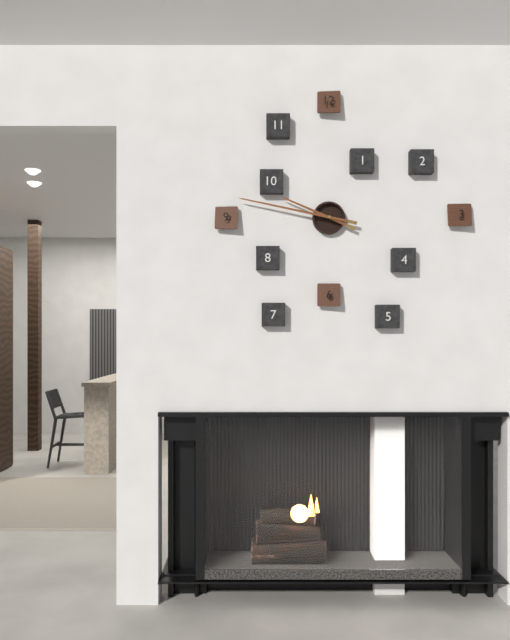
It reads 9h47
